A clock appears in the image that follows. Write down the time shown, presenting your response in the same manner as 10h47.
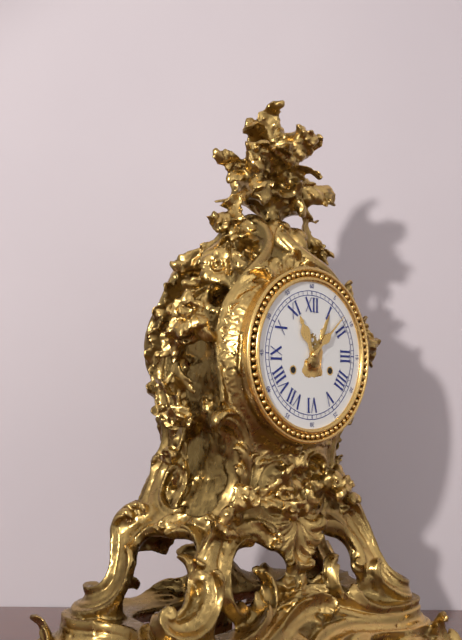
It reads 11h08
